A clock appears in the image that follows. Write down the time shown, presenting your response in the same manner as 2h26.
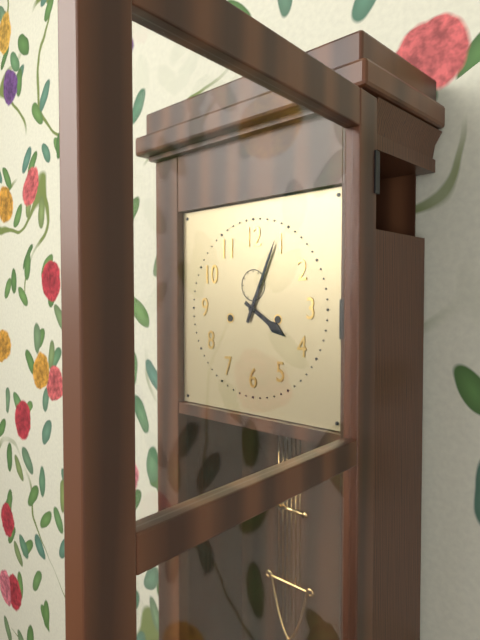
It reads 4h04
